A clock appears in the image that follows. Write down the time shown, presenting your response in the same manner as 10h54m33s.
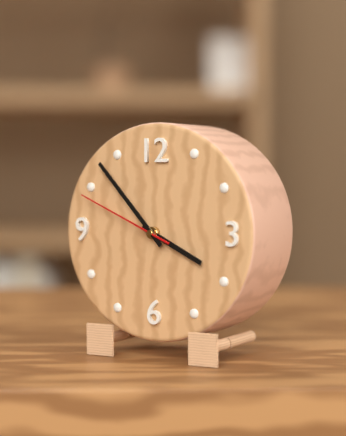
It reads 3h53m49s
